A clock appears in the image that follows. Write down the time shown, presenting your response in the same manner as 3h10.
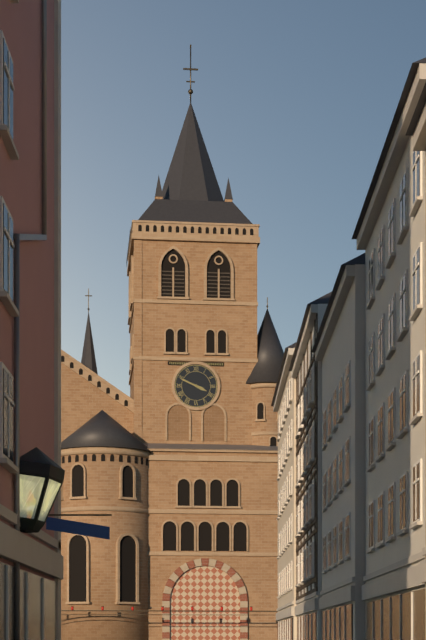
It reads 3h49
